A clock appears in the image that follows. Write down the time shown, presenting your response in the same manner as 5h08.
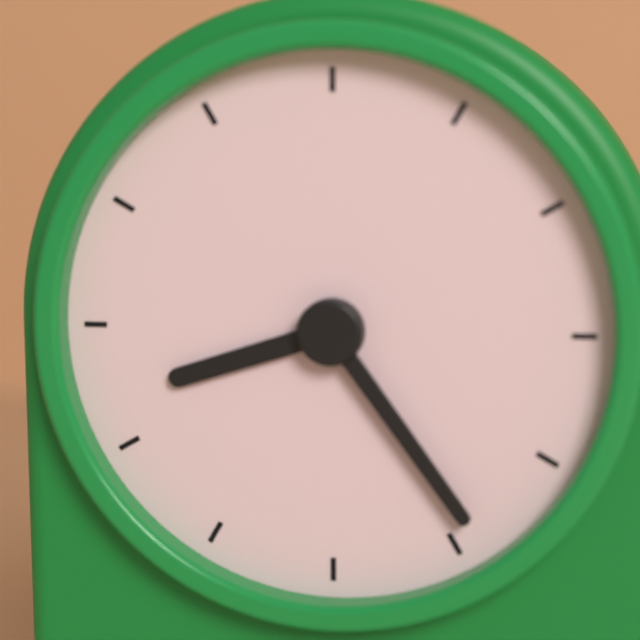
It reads 8h24
